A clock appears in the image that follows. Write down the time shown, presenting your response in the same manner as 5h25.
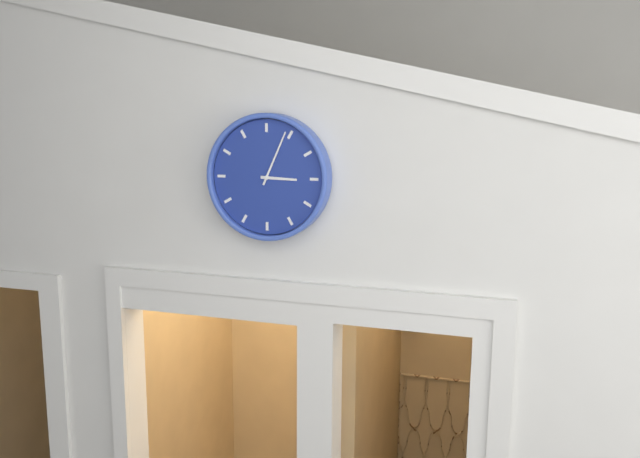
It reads 3h04
